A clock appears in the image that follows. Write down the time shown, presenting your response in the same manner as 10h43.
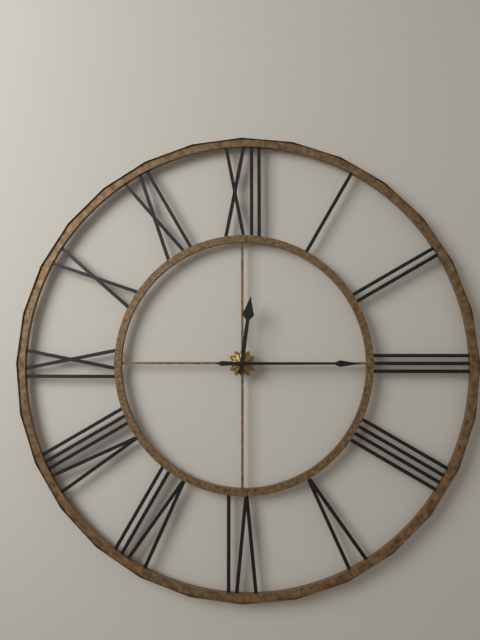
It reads 12h15
